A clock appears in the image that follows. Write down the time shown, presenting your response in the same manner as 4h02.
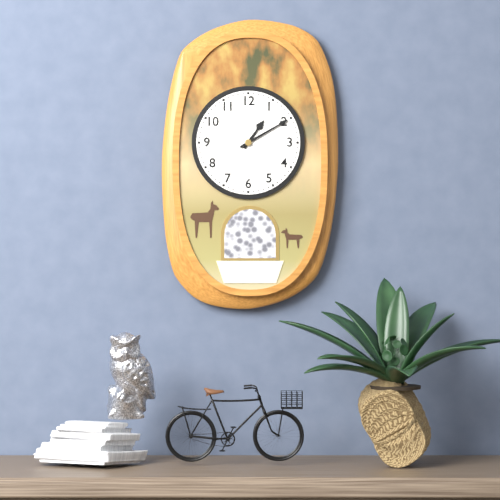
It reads 1h10
